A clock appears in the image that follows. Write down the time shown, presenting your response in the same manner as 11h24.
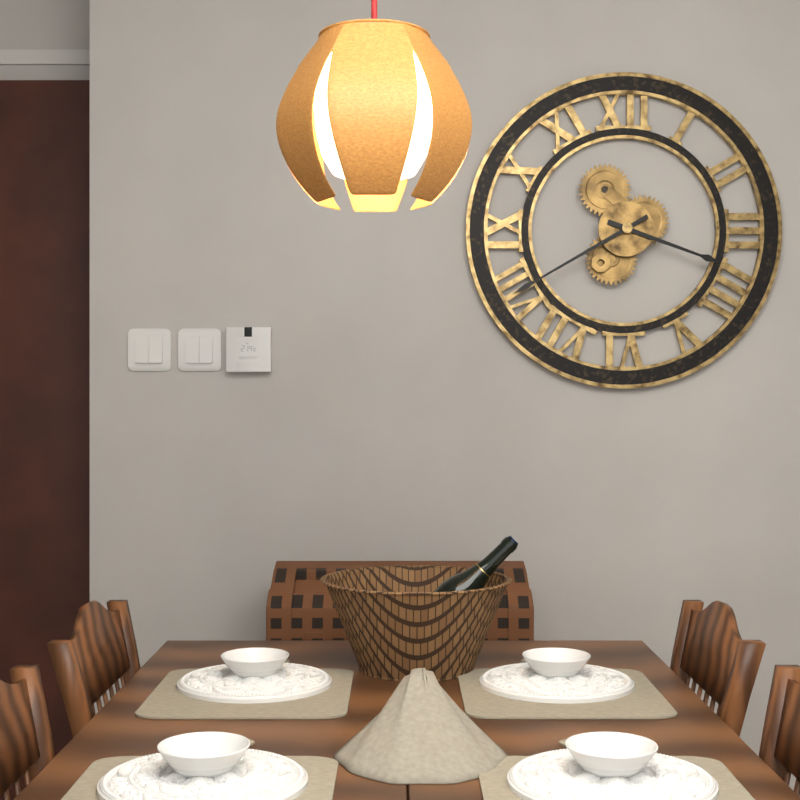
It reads 3h40
